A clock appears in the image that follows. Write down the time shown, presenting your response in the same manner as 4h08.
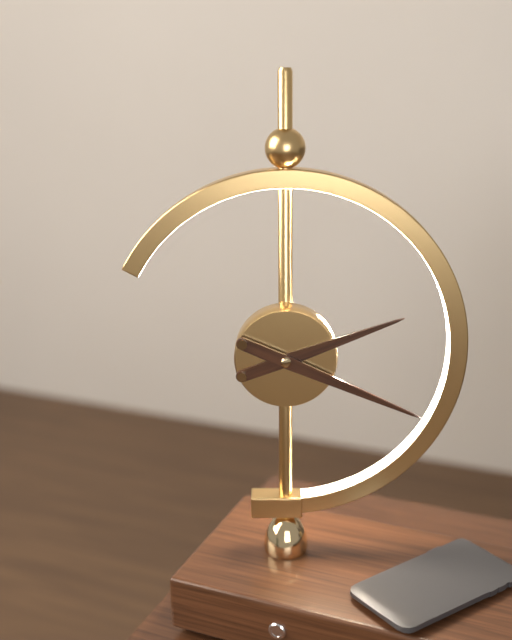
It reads 2h19
